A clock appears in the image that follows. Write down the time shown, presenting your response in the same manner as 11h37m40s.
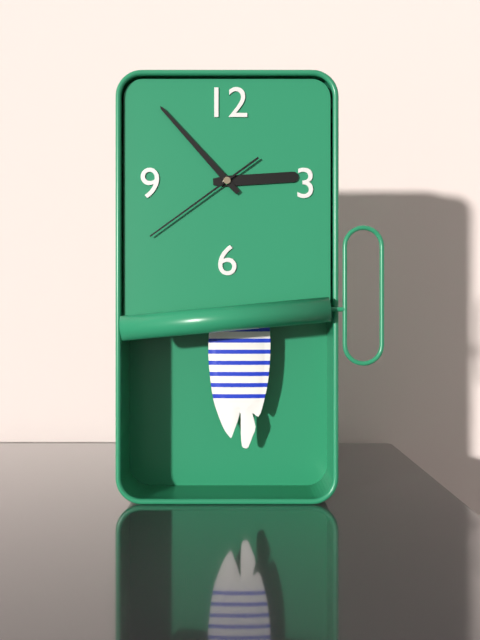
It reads 2h53m39s
